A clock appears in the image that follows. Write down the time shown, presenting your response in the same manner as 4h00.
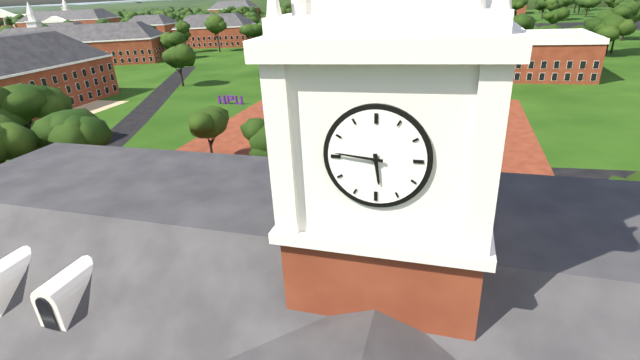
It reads 5h46
